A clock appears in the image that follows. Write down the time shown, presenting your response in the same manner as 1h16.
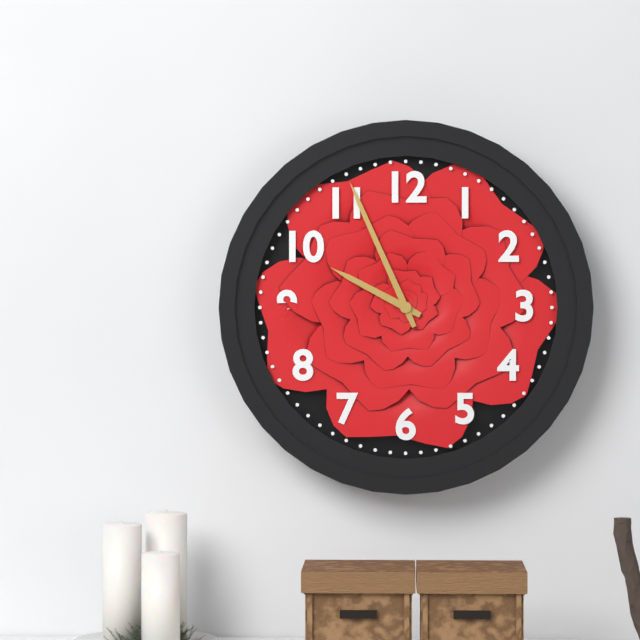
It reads 9h56
